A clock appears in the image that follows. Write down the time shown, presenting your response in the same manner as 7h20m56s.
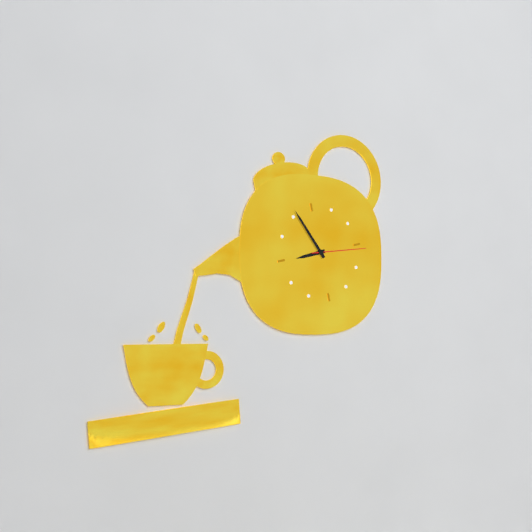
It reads 8h56m16s
